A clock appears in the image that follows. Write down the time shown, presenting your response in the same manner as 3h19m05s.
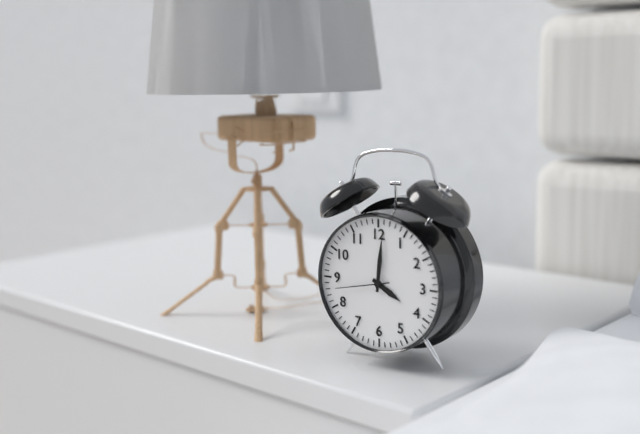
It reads 4h01m43s
